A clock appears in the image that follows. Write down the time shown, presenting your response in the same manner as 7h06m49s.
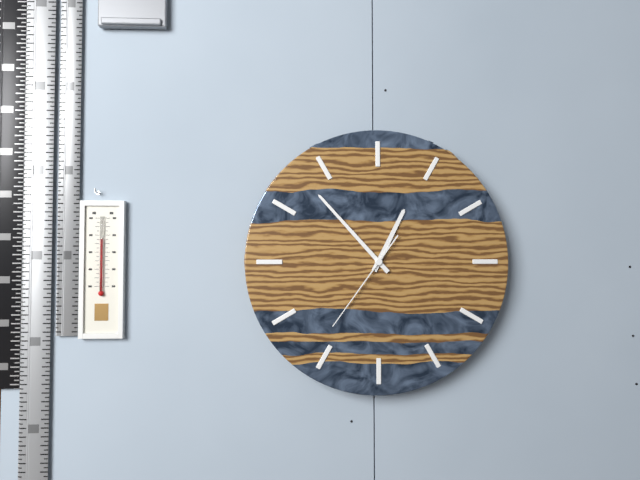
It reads 12h53m36s
